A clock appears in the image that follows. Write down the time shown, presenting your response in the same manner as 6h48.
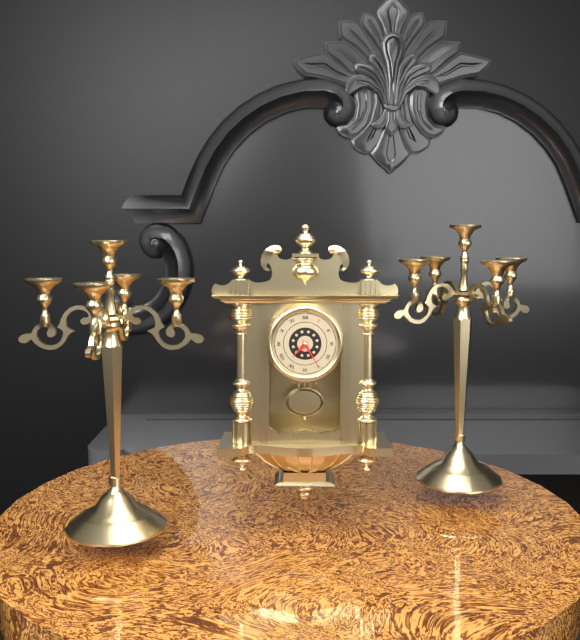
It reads 7h25
